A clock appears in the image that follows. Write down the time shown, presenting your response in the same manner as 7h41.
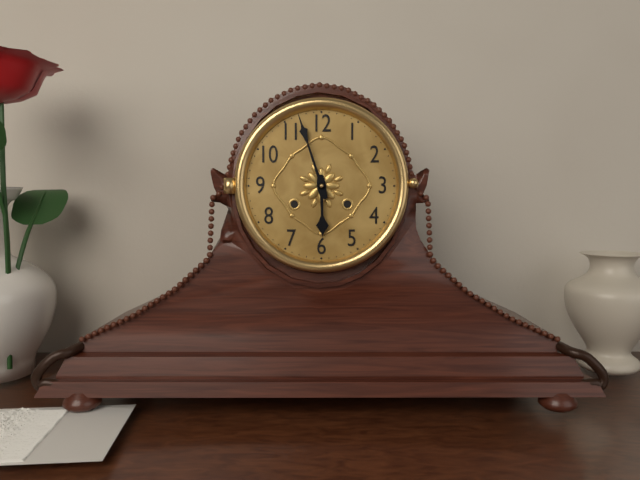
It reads 5h57
